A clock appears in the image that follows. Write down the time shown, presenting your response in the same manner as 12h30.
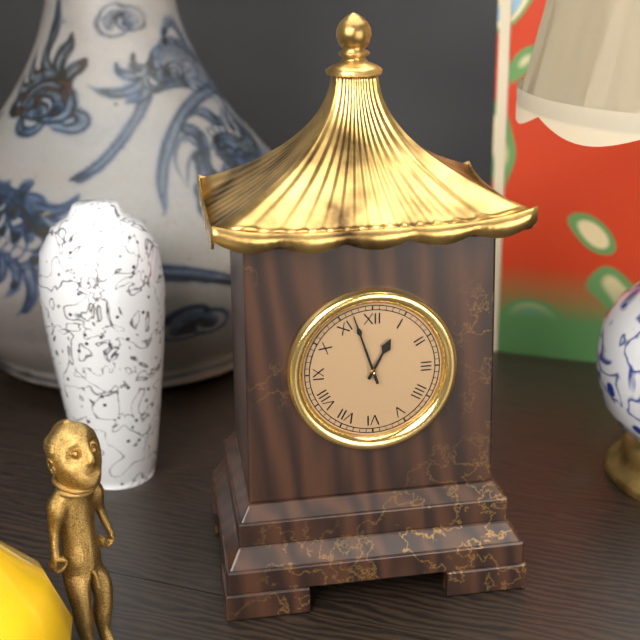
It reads 12h57
